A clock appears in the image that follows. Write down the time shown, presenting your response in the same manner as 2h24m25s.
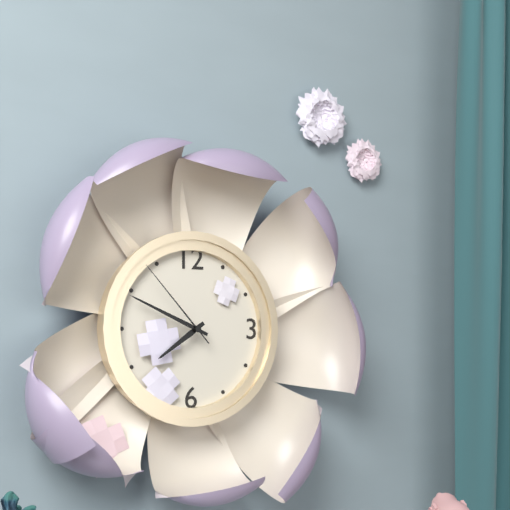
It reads 7h49m53s
